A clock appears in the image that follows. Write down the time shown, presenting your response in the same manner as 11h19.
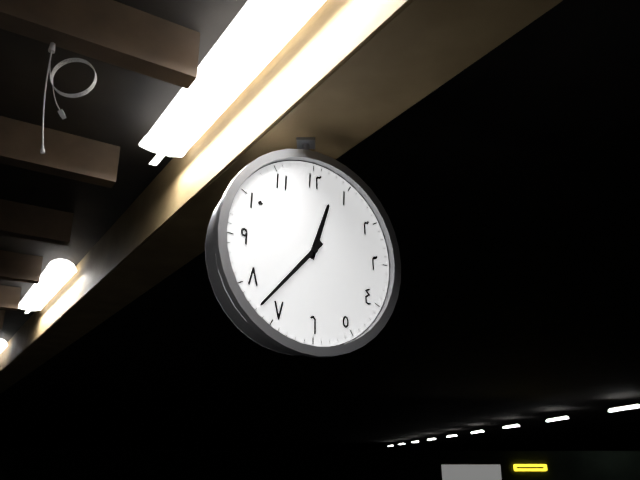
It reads 12h37
